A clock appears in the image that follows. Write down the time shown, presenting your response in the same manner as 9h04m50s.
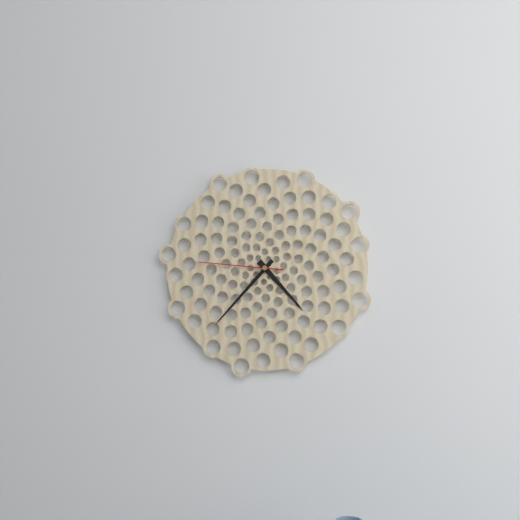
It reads 4h37m46s
